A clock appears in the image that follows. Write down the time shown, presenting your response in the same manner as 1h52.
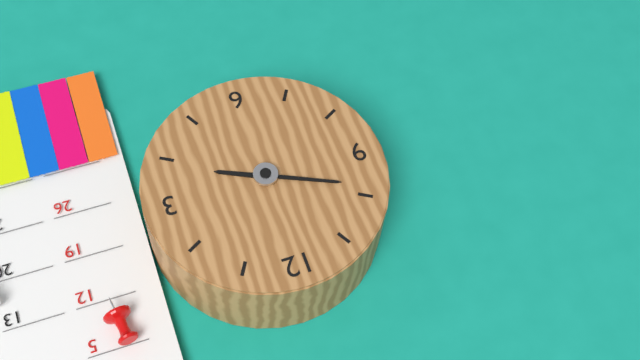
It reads 3h49
